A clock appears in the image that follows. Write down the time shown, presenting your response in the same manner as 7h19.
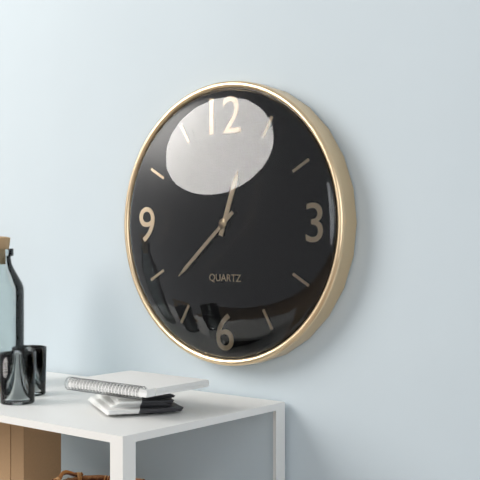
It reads 12h38
